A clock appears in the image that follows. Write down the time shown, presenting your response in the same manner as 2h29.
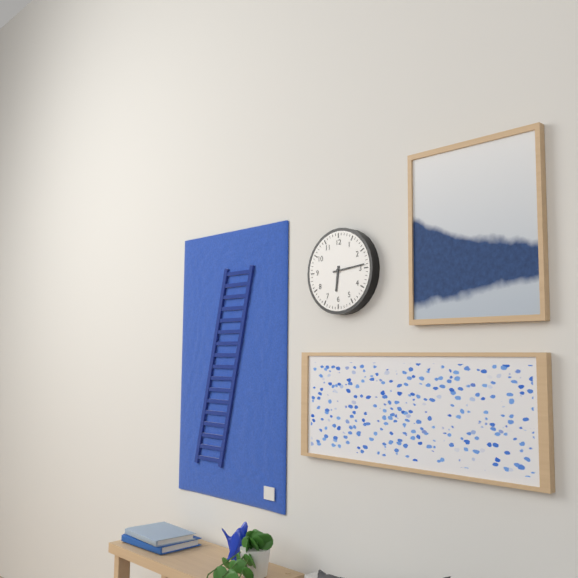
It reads 6h14
